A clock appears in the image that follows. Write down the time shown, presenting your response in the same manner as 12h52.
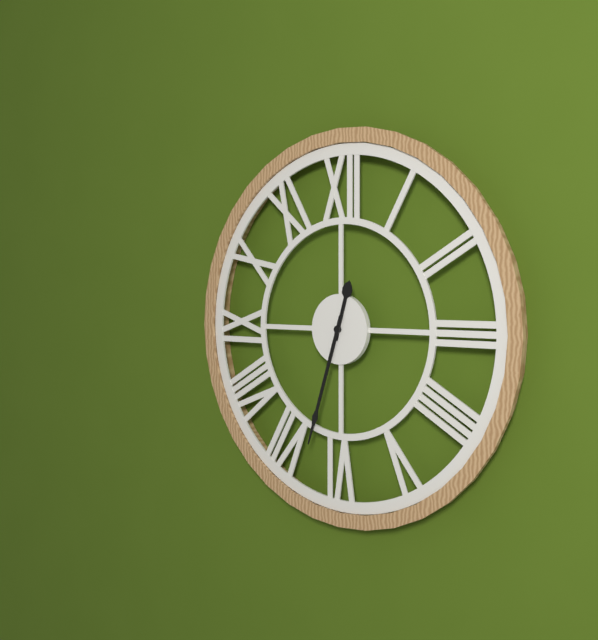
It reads 12h33
